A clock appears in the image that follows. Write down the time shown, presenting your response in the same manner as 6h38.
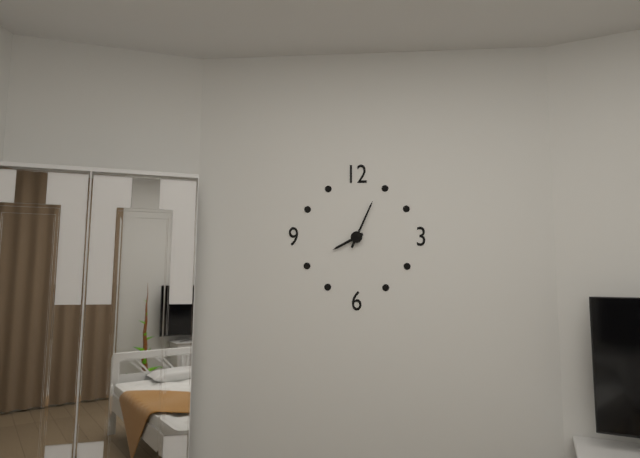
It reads 8h04
